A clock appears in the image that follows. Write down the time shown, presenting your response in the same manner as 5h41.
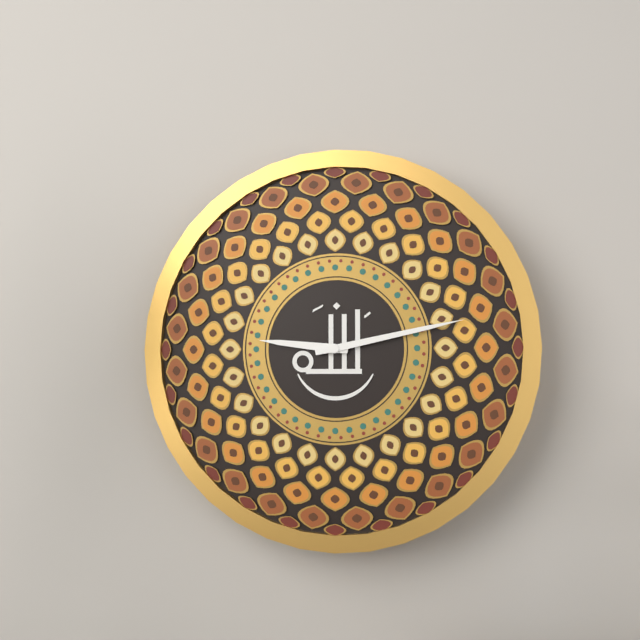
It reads 9h13
